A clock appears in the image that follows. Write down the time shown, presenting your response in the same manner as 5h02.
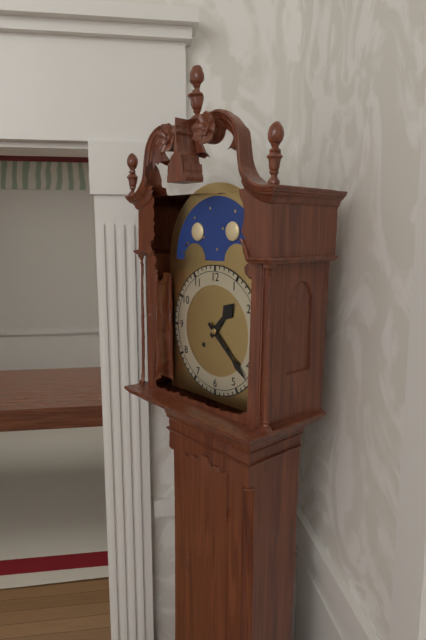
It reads 1h22
